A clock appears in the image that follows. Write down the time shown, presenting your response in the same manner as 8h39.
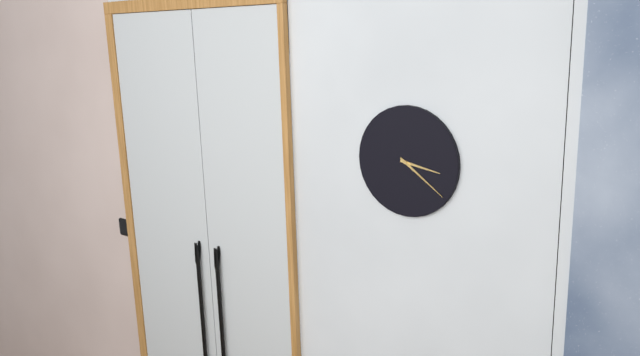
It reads 3h21
